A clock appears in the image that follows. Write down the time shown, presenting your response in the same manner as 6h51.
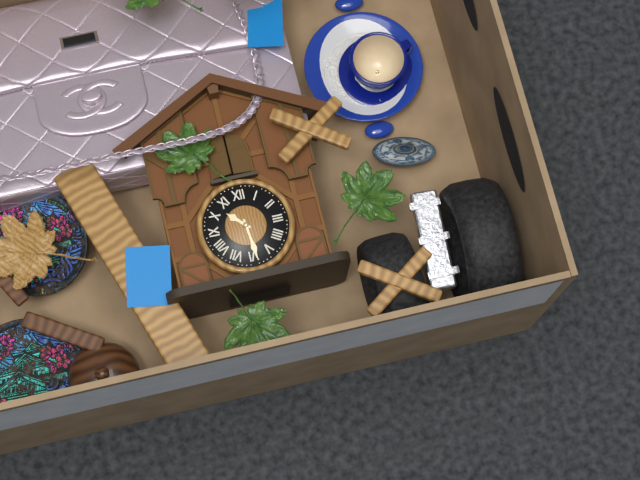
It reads 10h29
